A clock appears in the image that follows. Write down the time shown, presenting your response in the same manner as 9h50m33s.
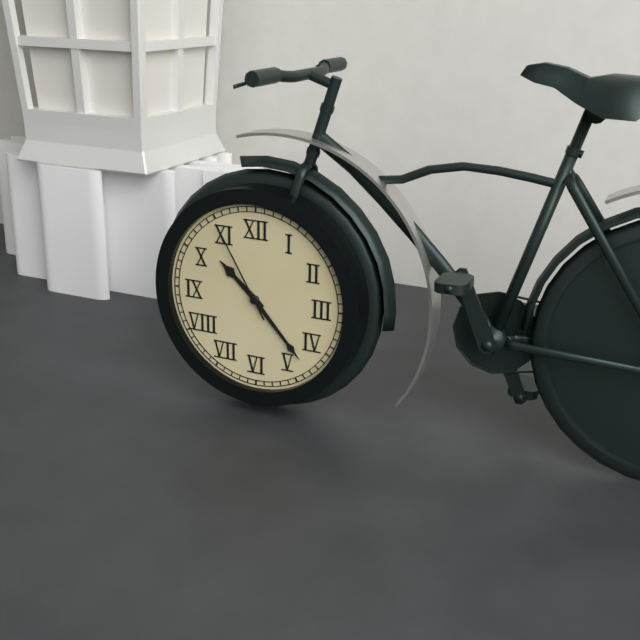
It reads 10h23m55s
